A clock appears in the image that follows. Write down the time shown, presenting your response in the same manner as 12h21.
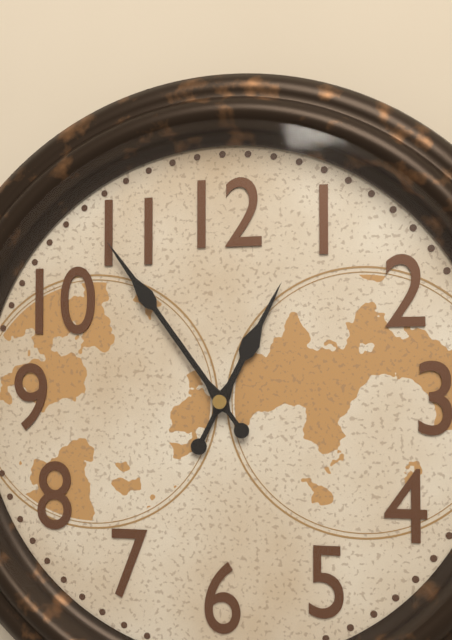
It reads 12h54
